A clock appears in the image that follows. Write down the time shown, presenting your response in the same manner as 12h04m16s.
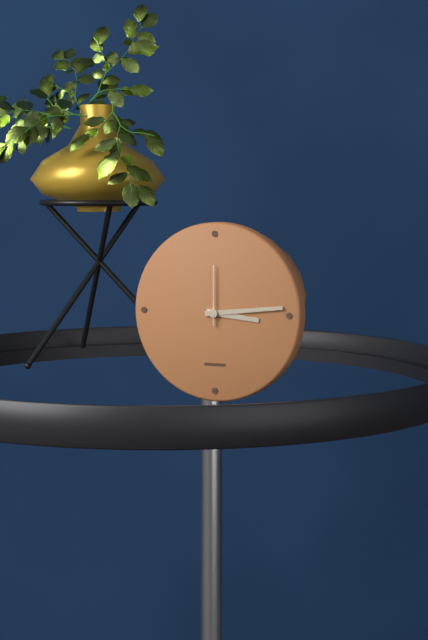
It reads 3h14m00s
